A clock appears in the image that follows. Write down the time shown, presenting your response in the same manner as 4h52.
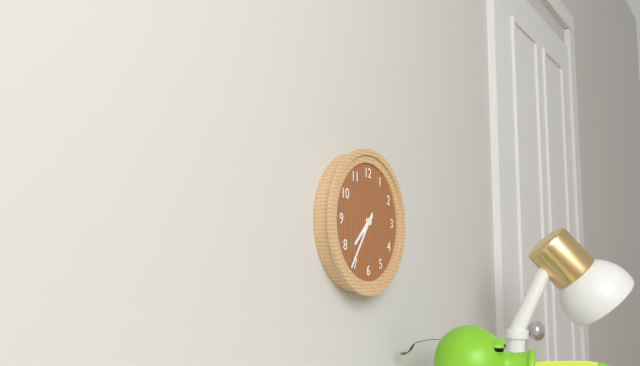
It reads 7h36
